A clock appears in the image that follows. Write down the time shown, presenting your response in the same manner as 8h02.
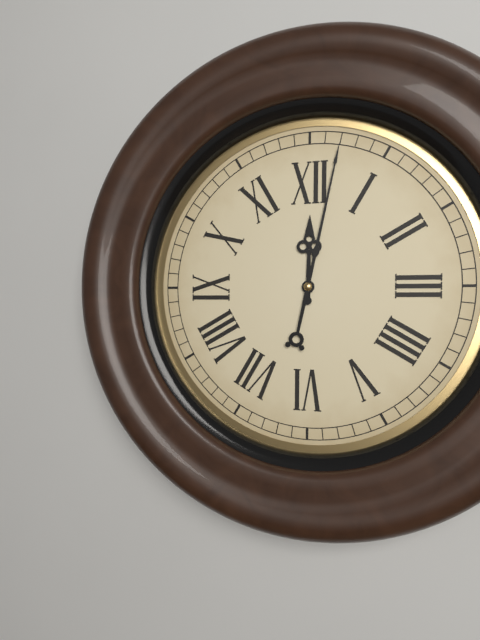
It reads 12h02
